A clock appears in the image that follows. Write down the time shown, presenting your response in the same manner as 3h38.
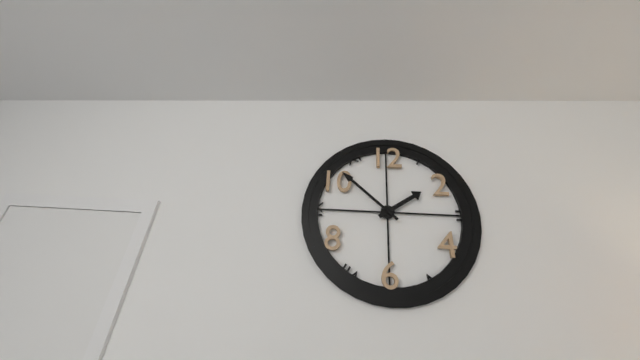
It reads 1h52
